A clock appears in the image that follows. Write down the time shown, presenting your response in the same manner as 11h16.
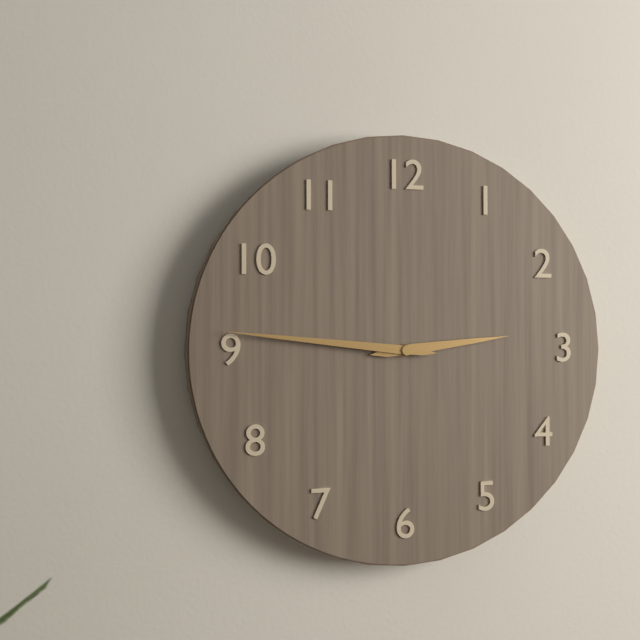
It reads 2h46
